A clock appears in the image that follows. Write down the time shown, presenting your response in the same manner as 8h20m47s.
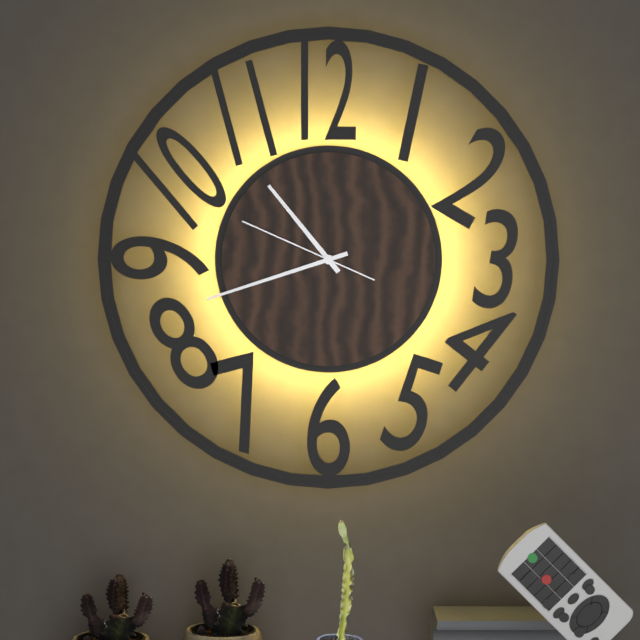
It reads 10h42m49s
